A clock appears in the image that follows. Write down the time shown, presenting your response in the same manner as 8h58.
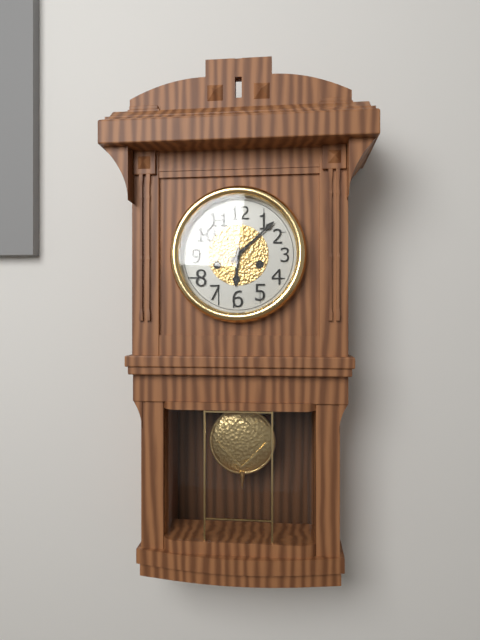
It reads 6h08
